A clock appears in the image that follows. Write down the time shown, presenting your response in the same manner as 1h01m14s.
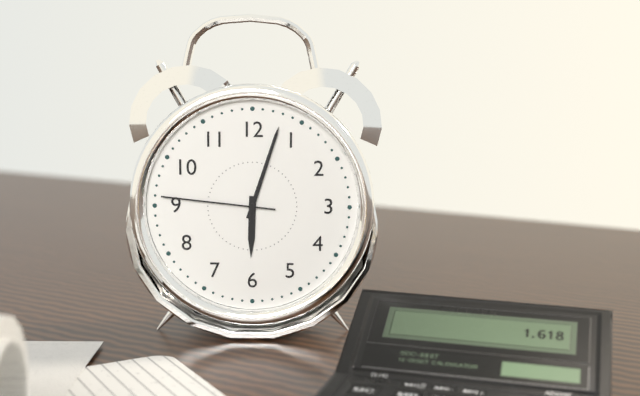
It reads 6h03m46s
